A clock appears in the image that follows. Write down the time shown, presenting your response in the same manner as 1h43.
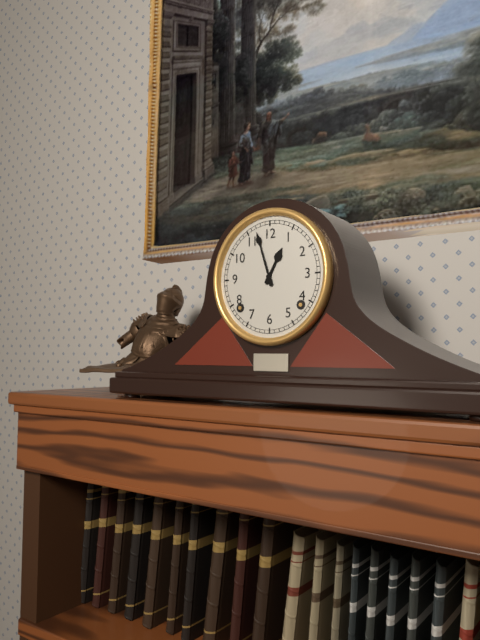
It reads 12h57
